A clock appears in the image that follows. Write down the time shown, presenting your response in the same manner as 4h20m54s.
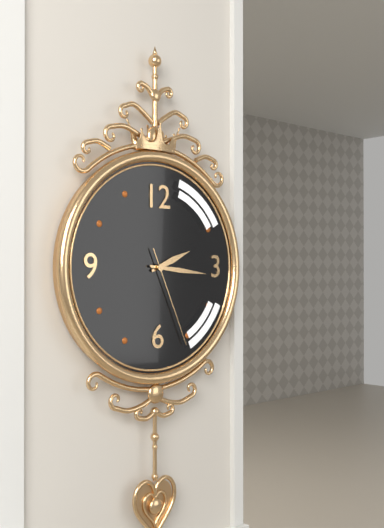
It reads 2h16m26s
